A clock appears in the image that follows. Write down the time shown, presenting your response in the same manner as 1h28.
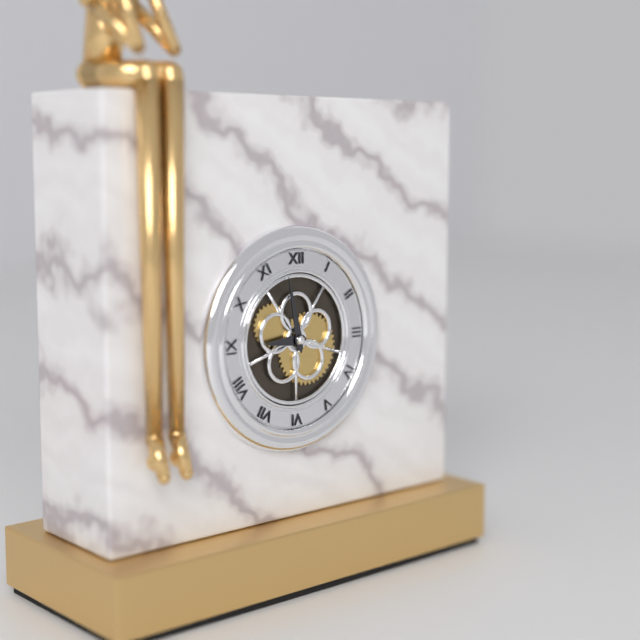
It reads 8h58
